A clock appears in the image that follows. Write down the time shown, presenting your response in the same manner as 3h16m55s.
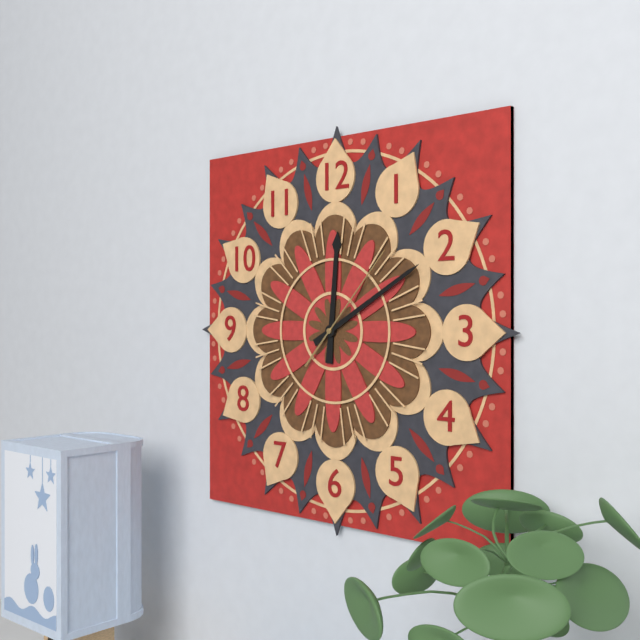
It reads 12h10m07s
